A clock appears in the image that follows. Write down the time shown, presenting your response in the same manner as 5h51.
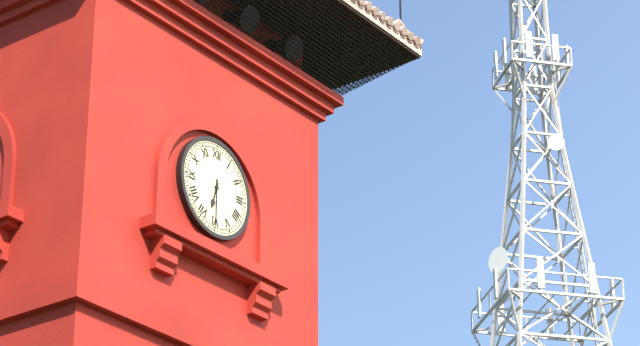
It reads 6h30
